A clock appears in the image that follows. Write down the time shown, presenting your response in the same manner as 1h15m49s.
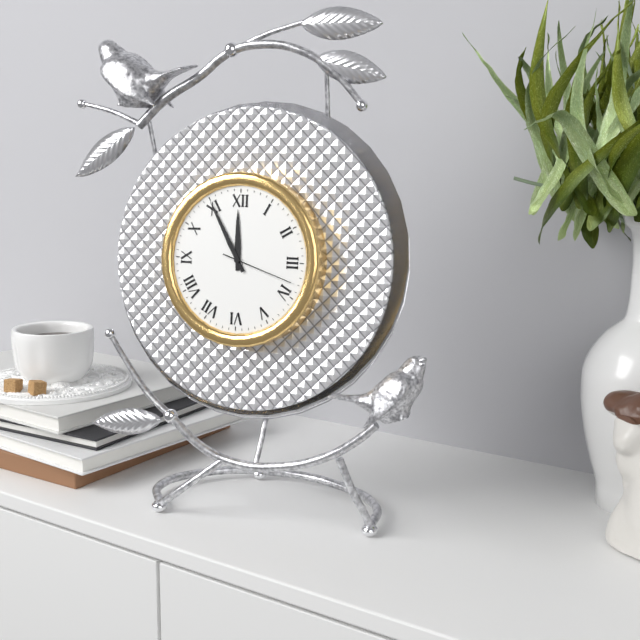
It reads 11h55m18s
